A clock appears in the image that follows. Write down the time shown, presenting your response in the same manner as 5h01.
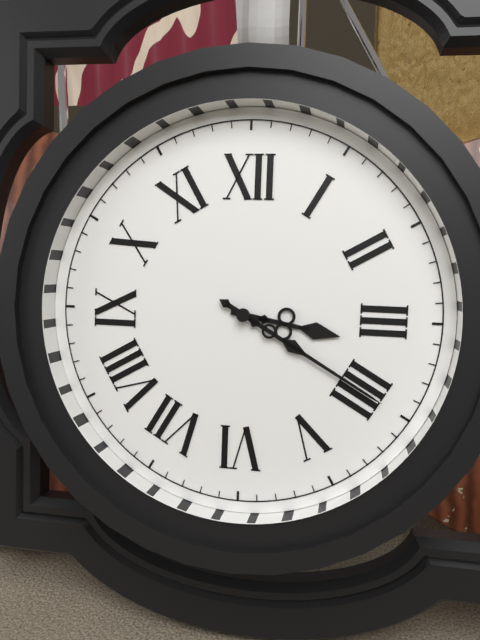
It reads 3h20
